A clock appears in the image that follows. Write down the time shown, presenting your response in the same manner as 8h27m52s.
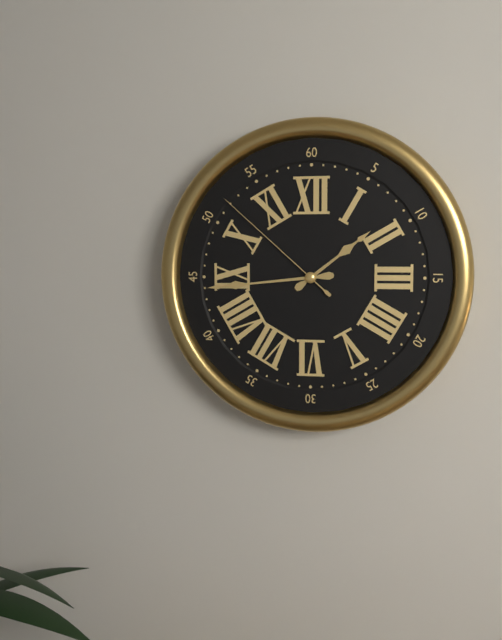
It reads 1h44m52s
